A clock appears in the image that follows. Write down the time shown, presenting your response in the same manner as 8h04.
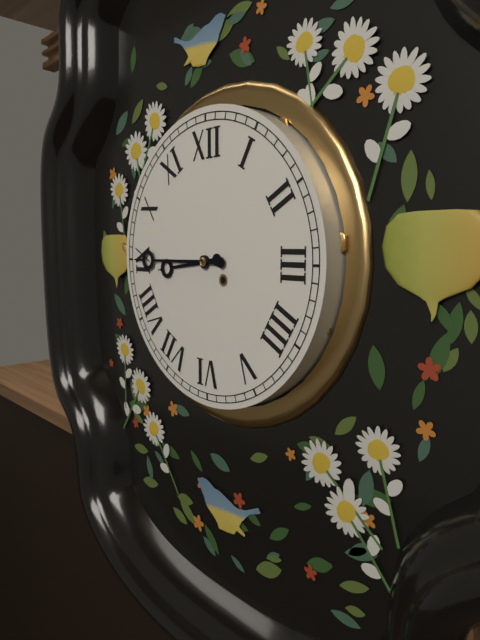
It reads 8h45
